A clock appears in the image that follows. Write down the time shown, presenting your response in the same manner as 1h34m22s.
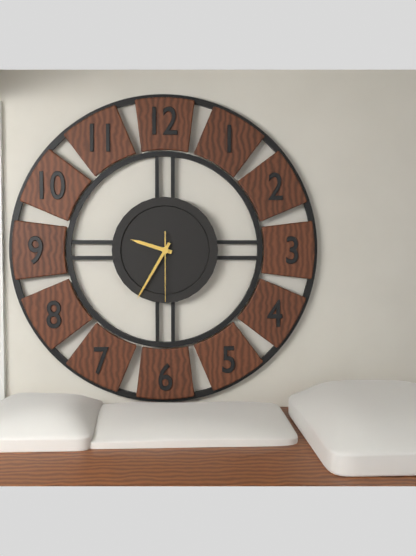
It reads 9h35m30s
